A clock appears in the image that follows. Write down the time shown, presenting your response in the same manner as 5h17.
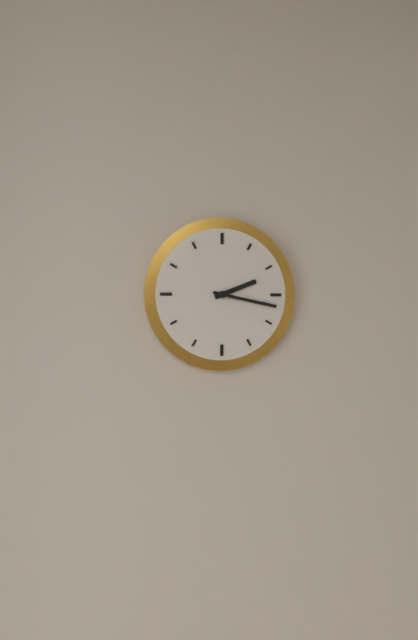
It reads 2h17
